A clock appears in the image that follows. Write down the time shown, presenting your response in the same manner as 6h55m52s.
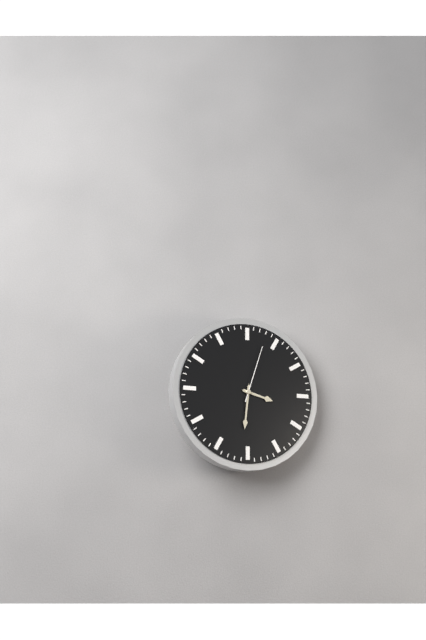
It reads 3h31m03s
